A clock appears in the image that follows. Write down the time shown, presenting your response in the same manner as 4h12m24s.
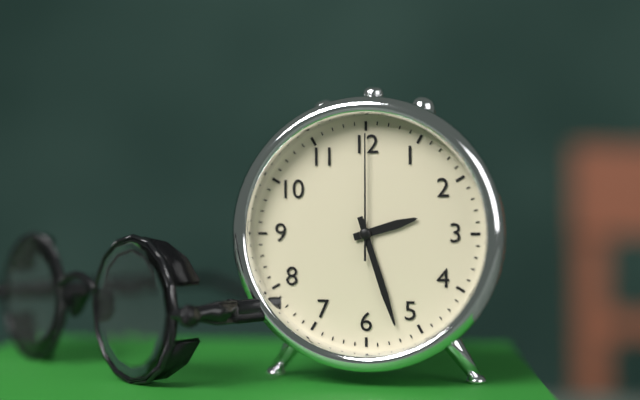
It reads 2h27m00s
